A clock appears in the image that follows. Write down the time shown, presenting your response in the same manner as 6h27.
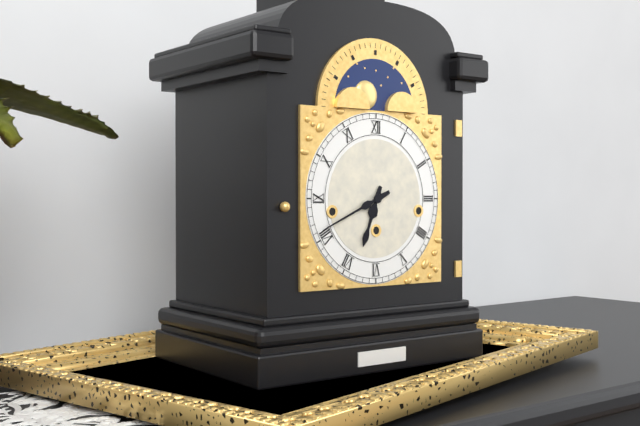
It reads 6h41
